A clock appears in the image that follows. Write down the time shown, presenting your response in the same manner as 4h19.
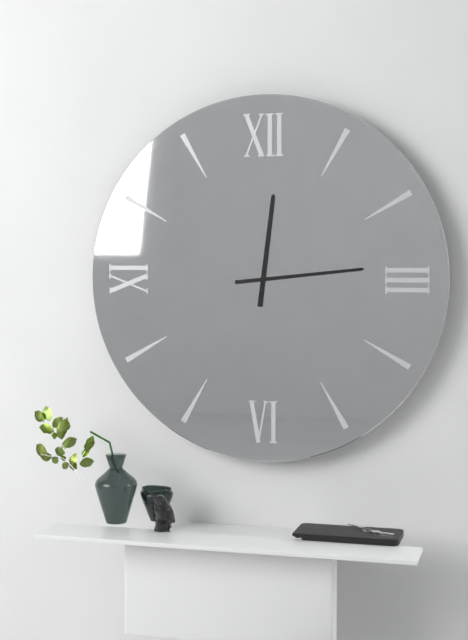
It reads 12h14
